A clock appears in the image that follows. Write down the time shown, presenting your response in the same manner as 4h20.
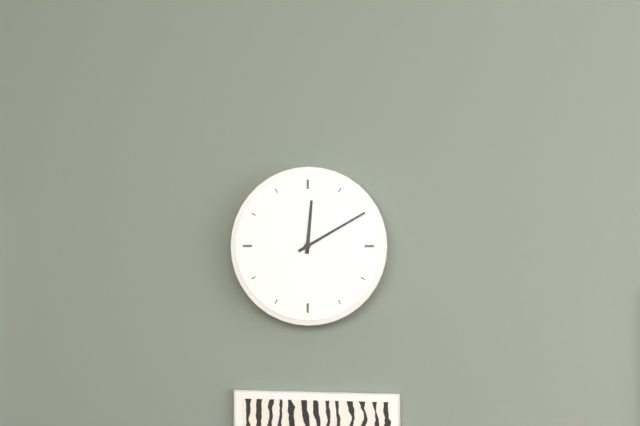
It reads 12h10
